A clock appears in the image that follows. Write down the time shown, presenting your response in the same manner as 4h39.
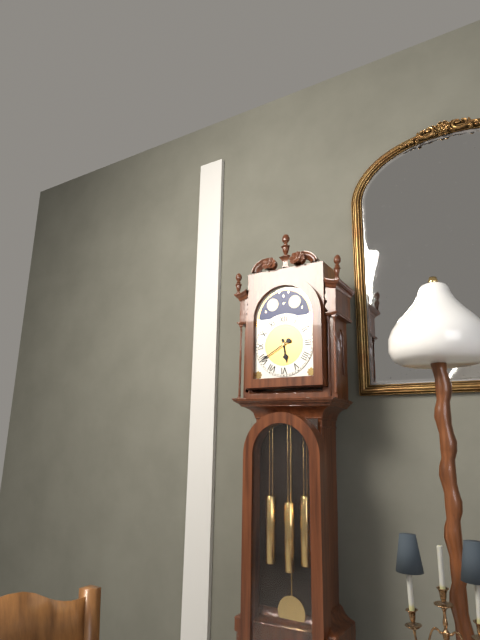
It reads 5h40
